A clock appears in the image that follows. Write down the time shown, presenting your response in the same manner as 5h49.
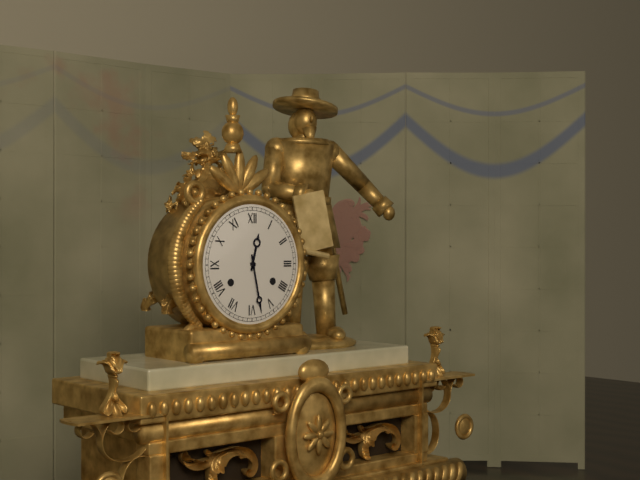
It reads 12h28
